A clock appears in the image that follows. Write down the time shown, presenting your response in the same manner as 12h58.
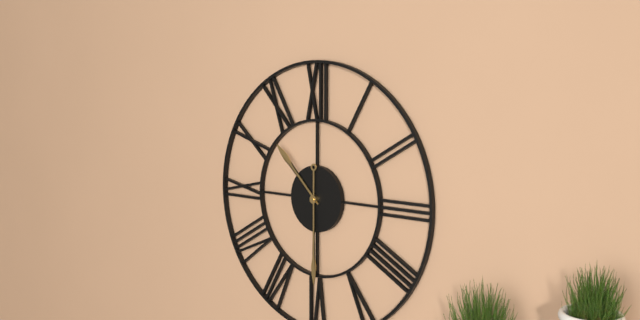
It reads 10h30
